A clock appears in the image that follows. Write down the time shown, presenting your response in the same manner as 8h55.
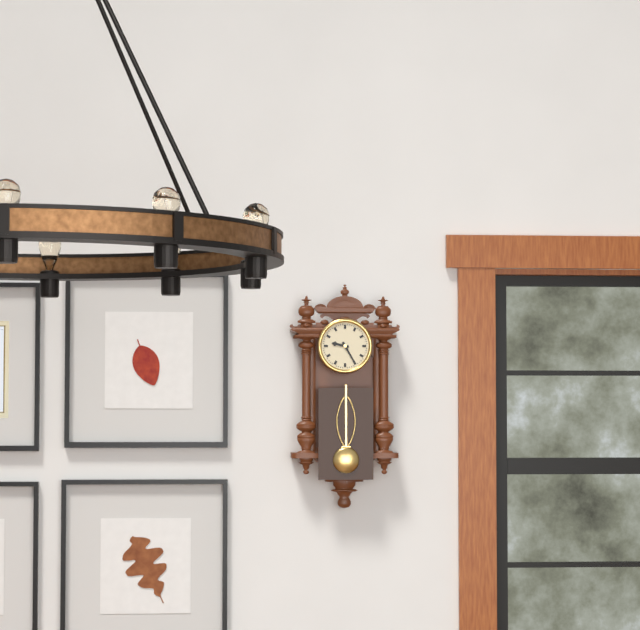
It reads 9h25
